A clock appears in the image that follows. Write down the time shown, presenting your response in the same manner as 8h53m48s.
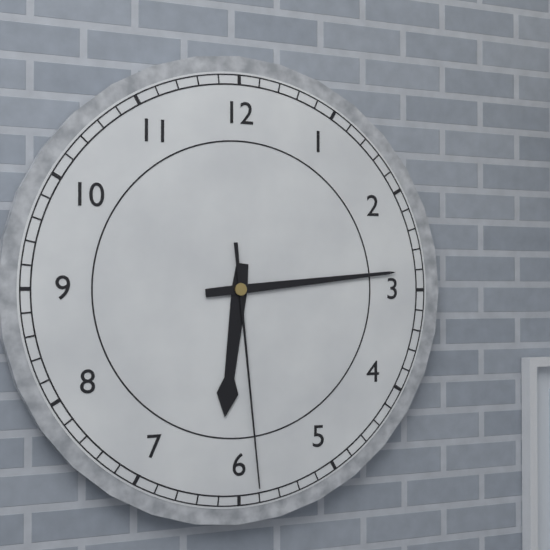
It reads 6h14m29s
